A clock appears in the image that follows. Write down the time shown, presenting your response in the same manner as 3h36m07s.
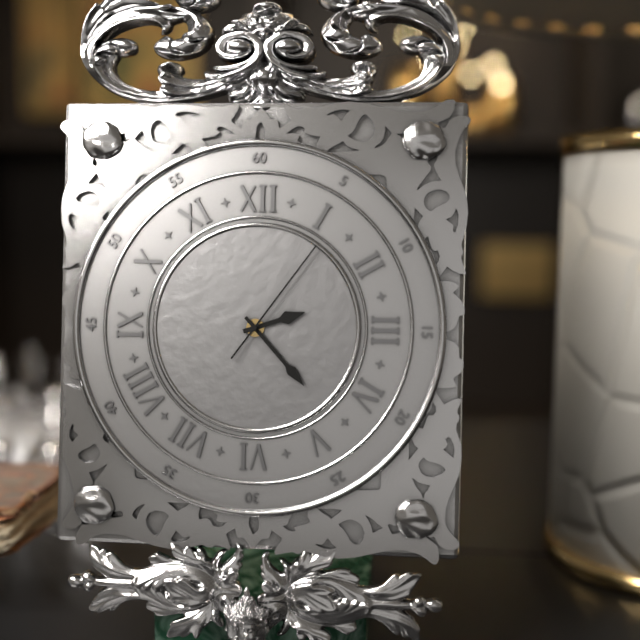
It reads 2h23m06s
